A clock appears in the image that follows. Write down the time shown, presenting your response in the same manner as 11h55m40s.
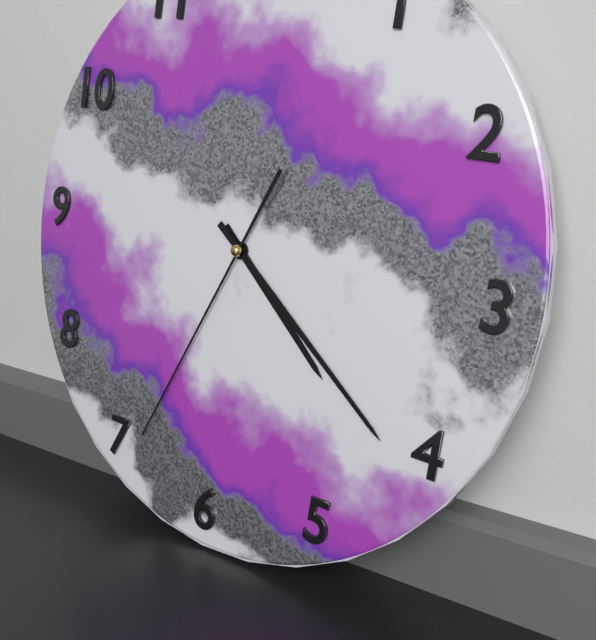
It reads 4h21m34s
